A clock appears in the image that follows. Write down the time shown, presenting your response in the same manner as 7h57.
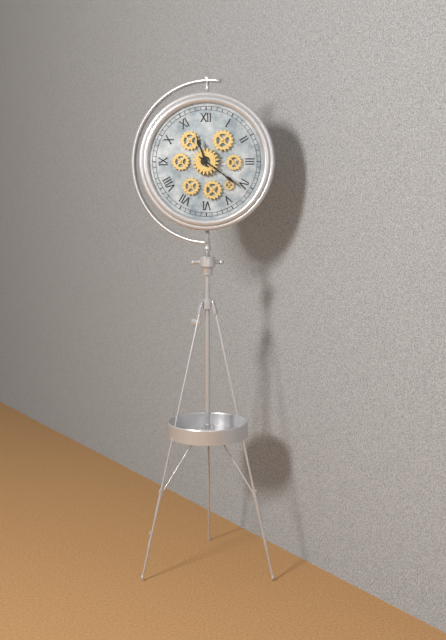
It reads 11h21
